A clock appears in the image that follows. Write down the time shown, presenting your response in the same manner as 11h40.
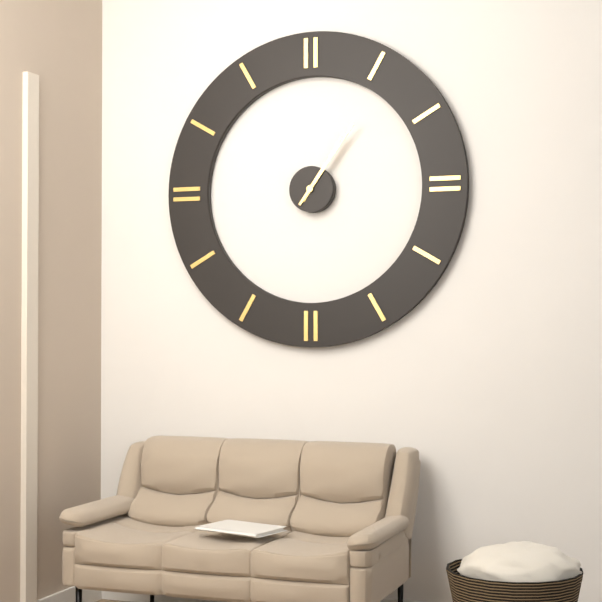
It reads 1h06
